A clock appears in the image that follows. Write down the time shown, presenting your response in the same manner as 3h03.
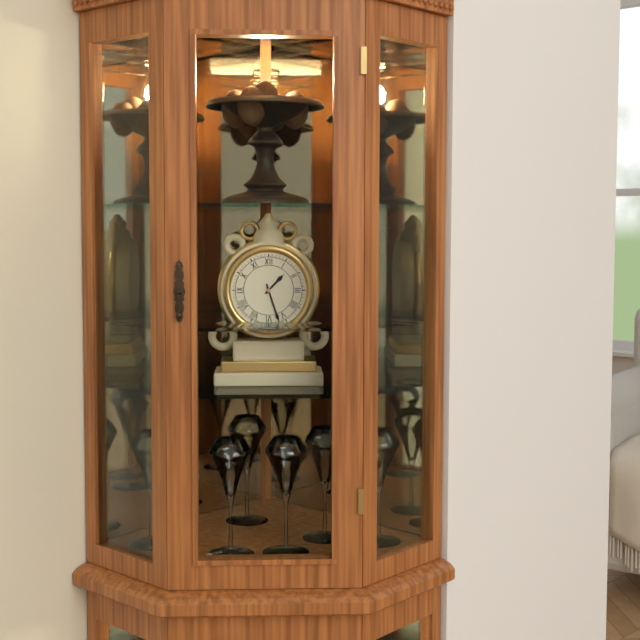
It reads 1h27
